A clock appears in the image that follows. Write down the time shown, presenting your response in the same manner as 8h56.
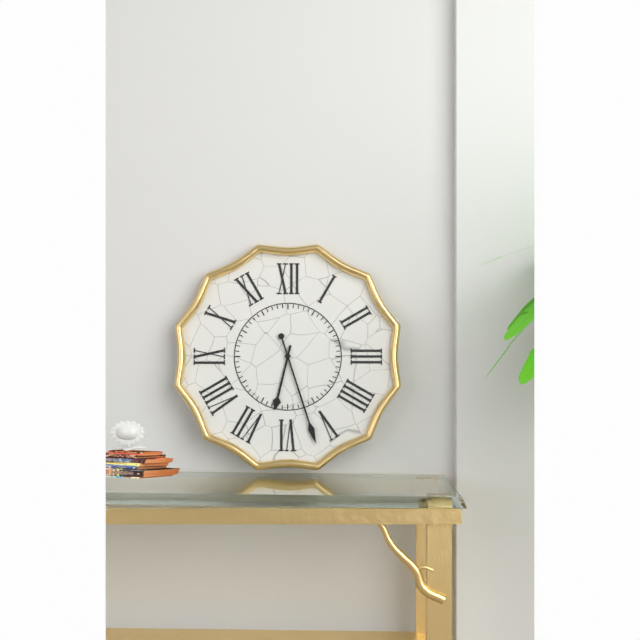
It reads 6h27
